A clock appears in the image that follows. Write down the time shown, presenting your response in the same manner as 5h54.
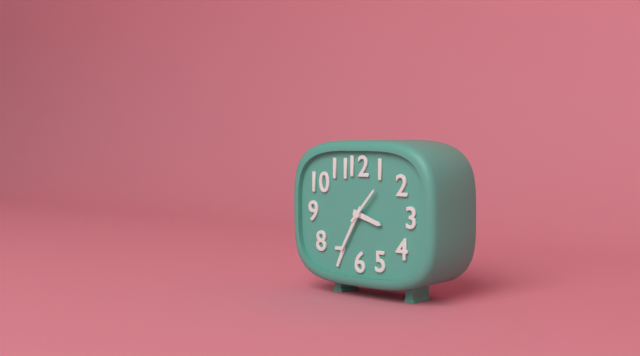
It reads 3h35
